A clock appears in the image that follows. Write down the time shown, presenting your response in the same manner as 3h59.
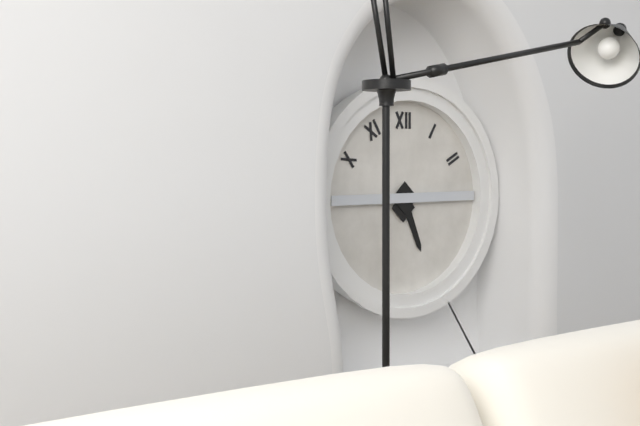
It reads 5h15
